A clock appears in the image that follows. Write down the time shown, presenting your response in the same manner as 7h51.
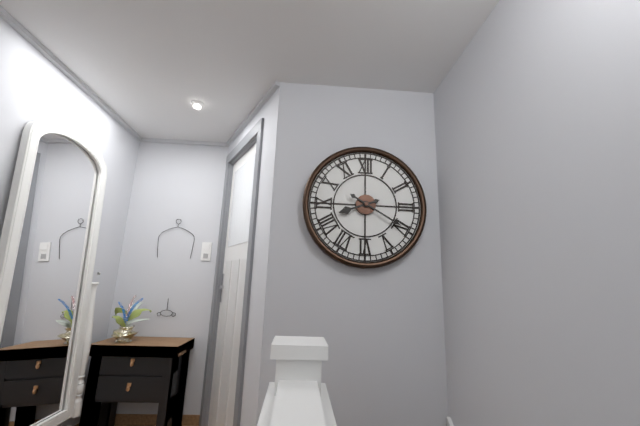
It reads 8h20
